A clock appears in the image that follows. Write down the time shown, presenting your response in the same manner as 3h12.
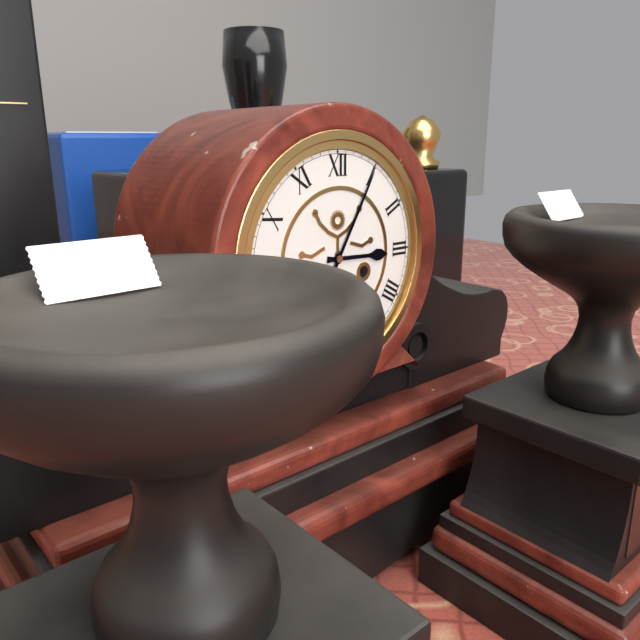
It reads 3h05
